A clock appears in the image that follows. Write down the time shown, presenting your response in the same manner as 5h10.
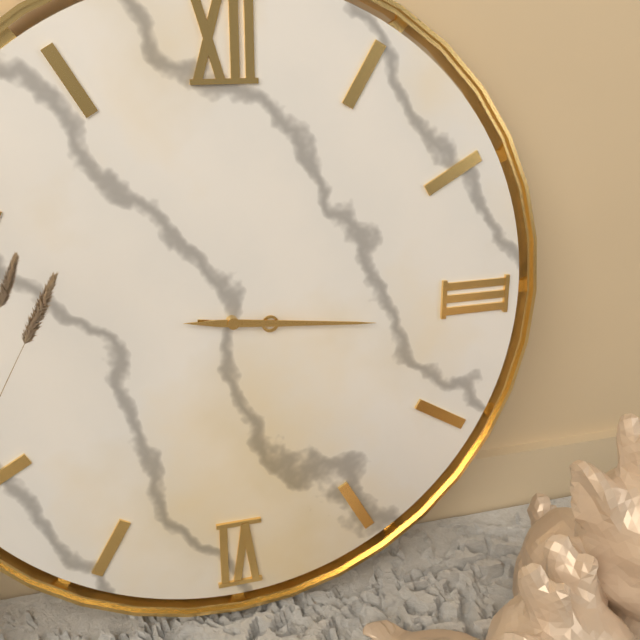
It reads 3h16
